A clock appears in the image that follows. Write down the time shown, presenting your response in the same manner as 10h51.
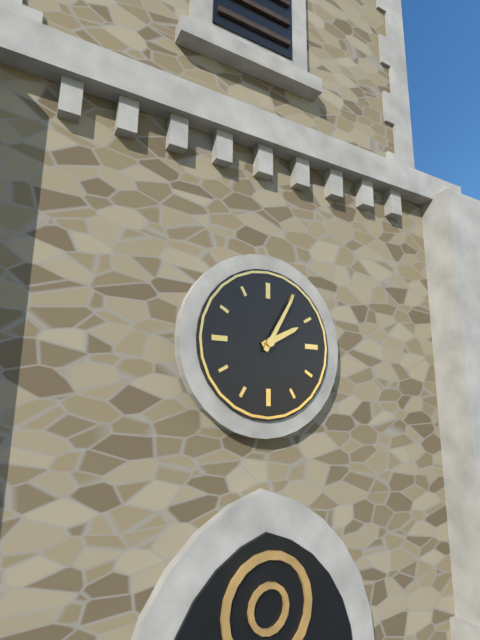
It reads 2h05
